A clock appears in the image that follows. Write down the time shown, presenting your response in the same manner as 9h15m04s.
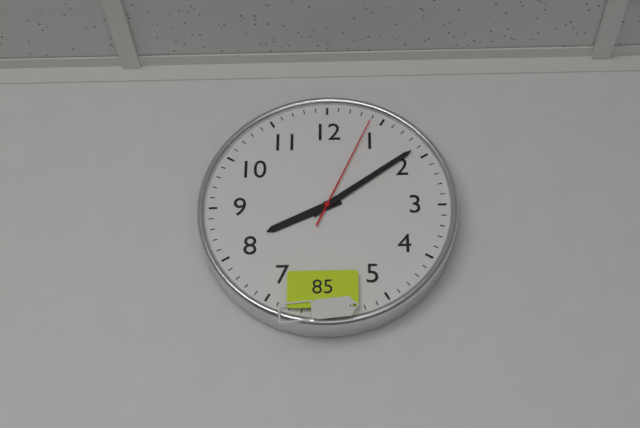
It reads 8h09m04s
